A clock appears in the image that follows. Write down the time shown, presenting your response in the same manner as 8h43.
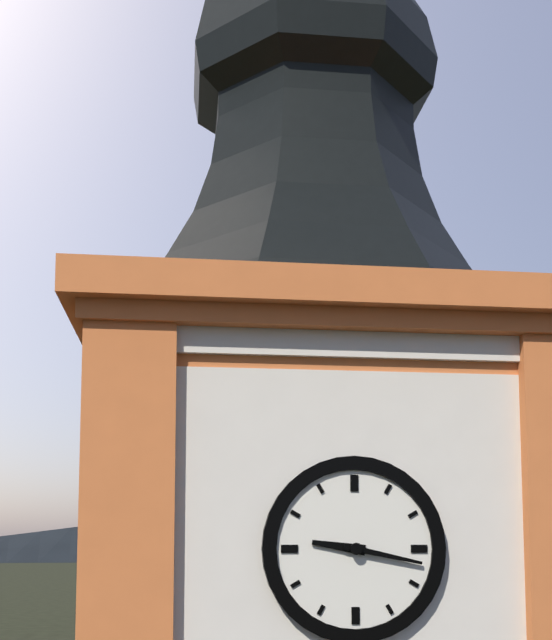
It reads 9h17
